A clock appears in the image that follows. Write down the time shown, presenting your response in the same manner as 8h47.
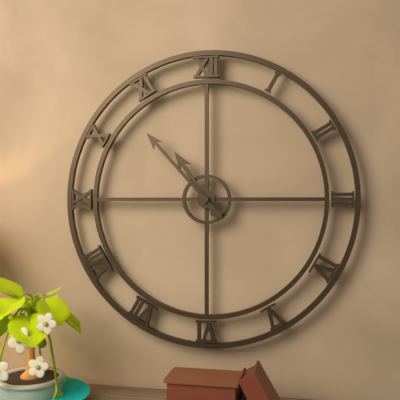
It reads 10h53
